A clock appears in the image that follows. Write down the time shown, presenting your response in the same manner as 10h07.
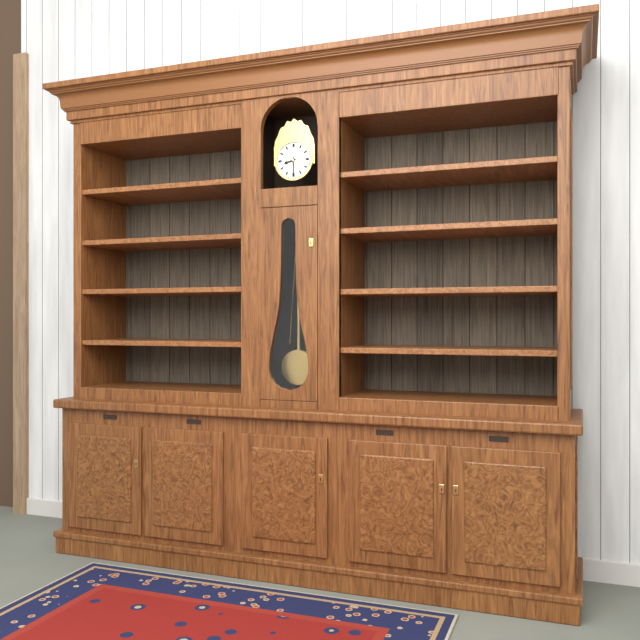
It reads 8h30
